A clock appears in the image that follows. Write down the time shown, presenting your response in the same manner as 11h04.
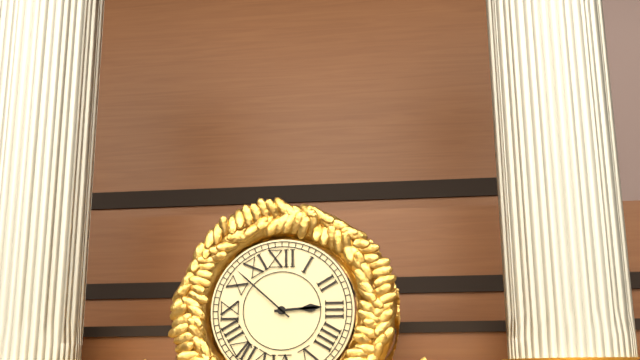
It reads 2h52
